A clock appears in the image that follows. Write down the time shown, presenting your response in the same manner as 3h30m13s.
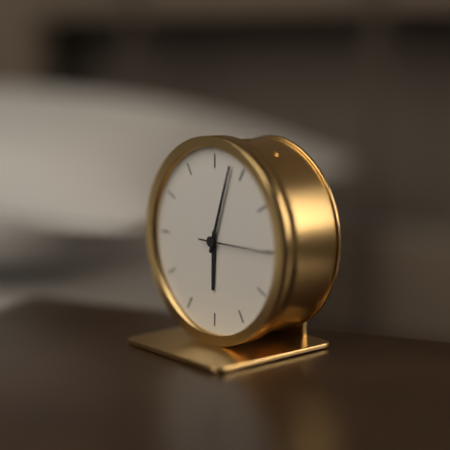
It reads 6h03m15s
